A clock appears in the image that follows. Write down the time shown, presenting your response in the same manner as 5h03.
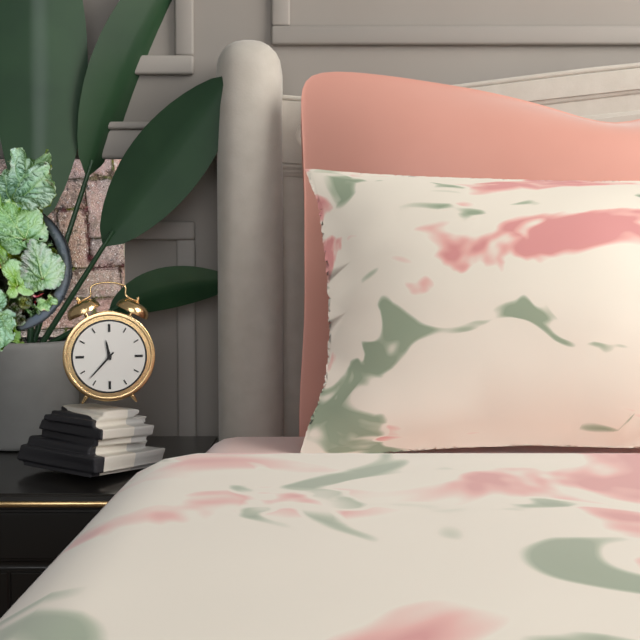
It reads 11h37
